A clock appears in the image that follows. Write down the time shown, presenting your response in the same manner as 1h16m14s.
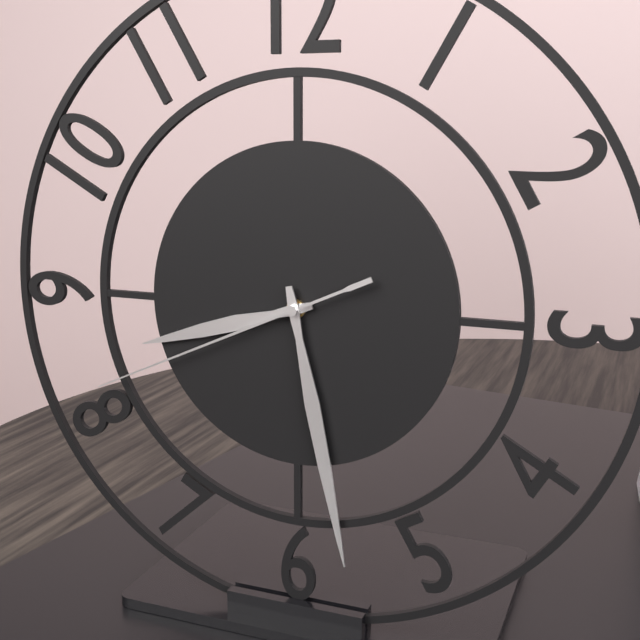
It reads 8h28m41s
